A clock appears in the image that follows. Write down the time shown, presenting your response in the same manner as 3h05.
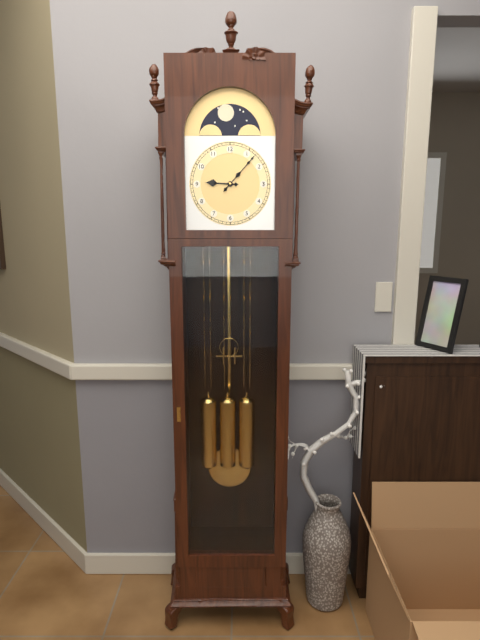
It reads 9h07
